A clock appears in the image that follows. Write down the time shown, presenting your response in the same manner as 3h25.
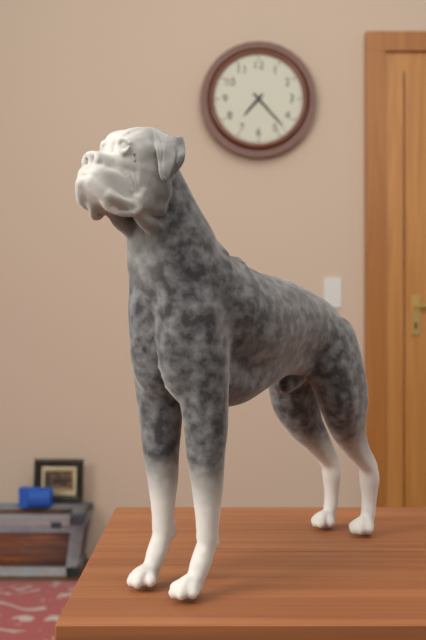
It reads 7h23
